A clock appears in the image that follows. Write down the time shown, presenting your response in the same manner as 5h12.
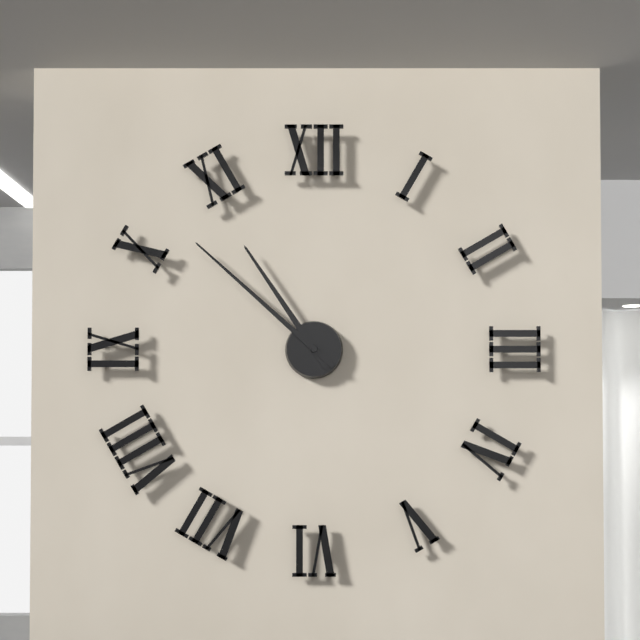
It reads 10h52
